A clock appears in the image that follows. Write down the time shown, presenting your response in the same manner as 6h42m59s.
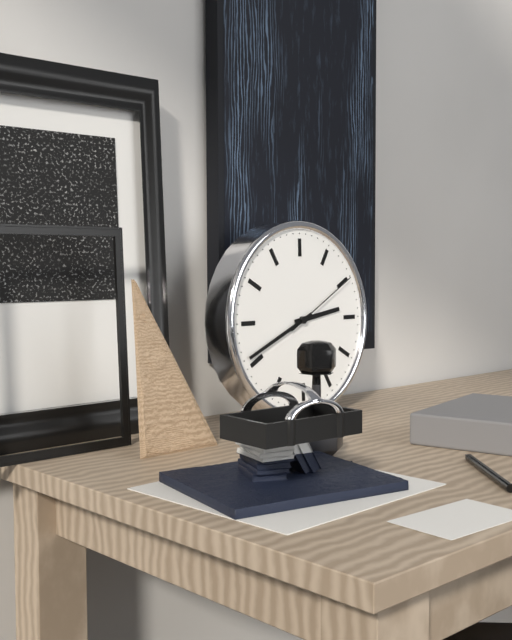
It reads 2h41m10s
